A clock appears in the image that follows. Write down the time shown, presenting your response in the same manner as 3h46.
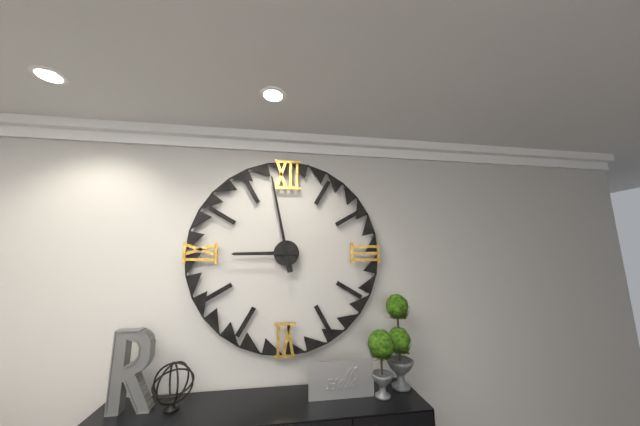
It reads 8h58
